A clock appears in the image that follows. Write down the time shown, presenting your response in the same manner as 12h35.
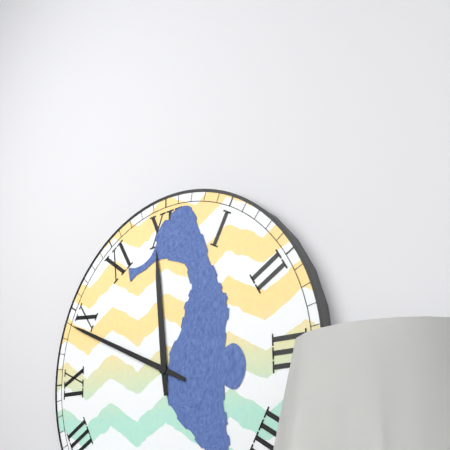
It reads 11h49
